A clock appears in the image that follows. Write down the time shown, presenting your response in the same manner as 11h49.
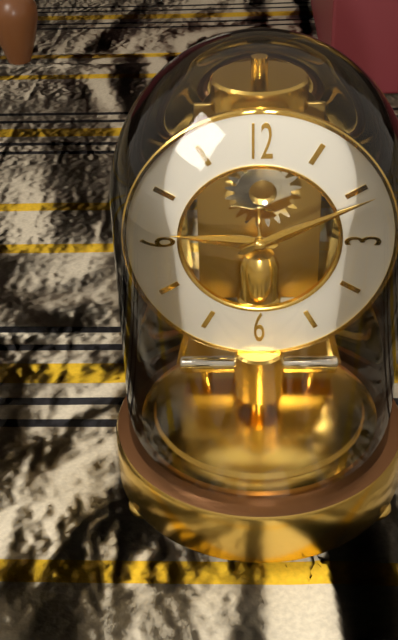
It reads 9h11
